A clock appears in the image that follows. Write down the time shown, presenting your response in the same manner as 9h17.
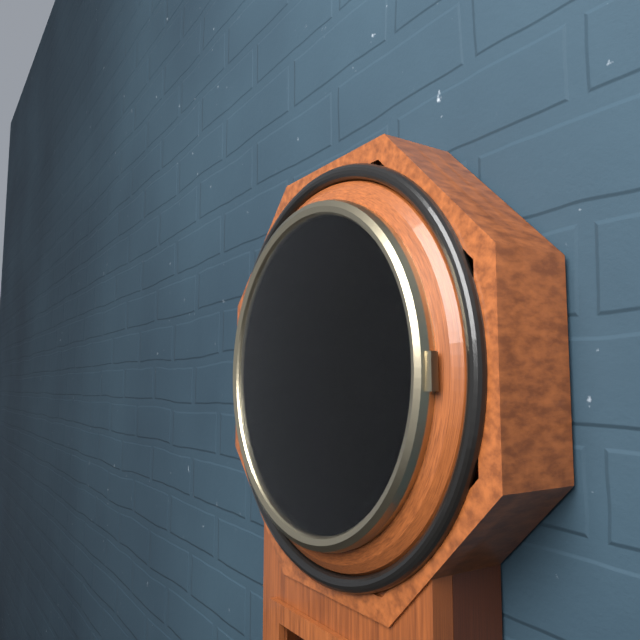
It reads 5h42
